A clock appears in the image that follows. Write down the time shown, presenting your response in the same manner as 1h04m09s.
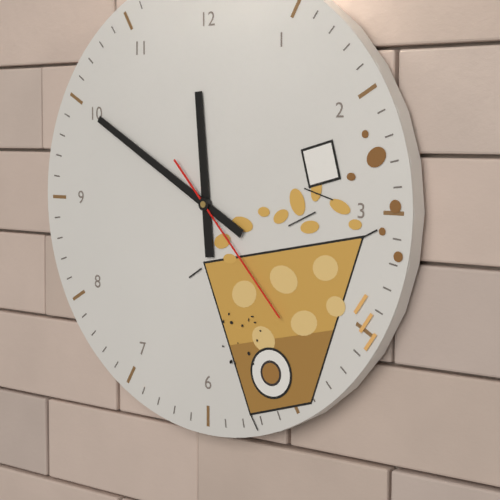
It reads 11h50m23s
